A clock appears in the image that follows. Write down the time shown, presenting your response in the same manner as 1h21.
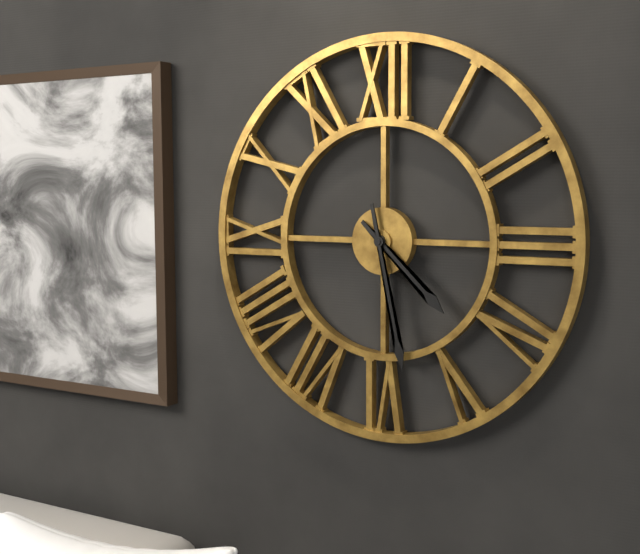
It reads 4h28
